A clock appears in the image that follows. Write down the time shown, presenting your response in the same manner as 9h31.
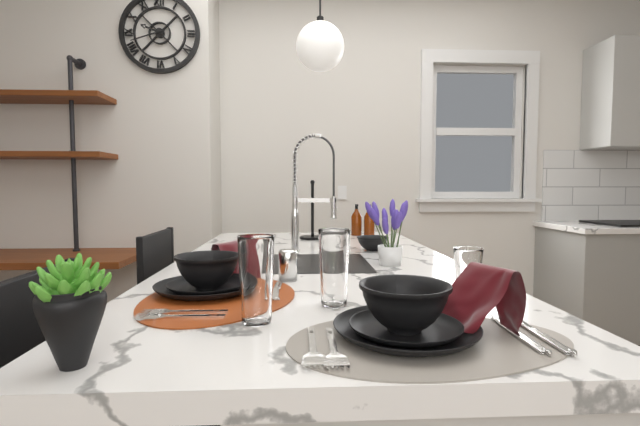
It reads 9h42
